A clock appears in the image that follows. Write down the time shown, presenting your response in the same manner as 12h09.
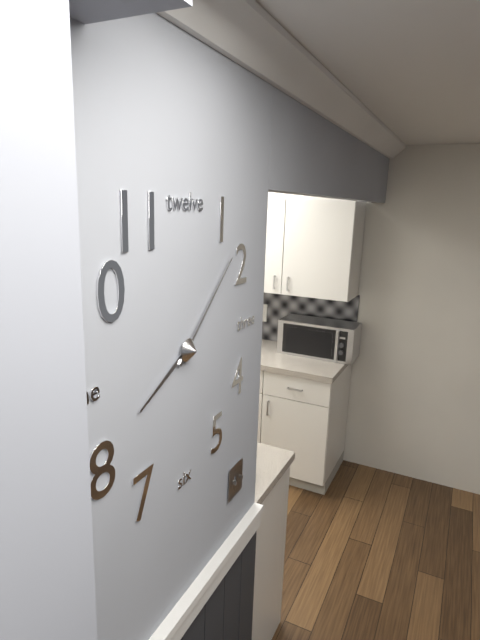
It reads 8h08
